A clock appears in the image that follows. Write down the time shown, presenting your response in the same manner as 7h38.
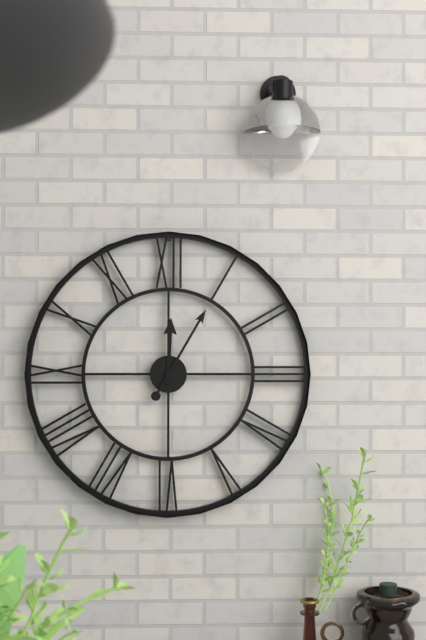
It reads 12h05
